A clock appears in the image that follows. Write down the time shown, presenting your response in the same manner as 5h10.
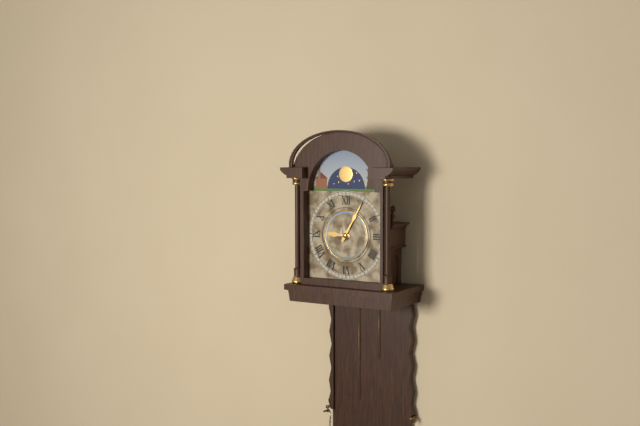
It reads 9h05
